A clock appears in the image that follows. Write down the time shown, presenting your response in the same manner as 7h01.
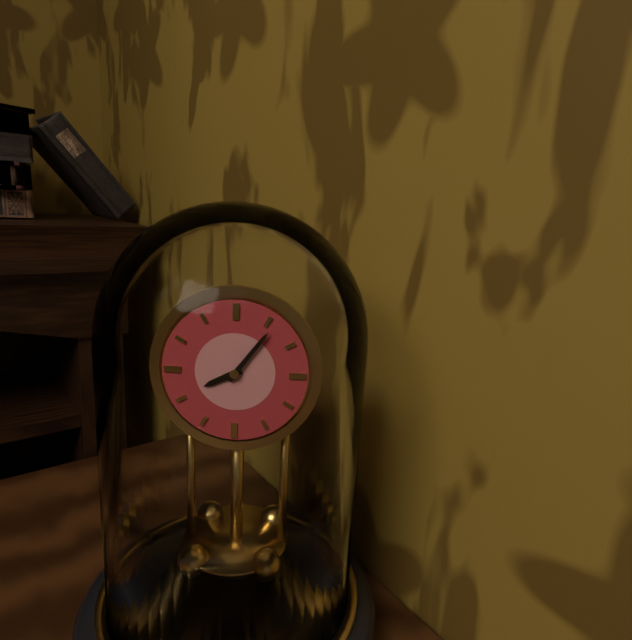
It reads 8h06
